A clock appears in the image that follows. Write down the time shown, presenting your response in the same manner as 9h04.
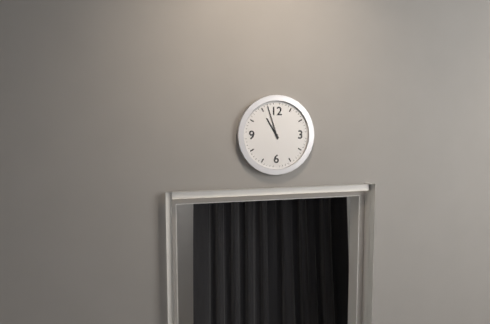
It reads 10h57
